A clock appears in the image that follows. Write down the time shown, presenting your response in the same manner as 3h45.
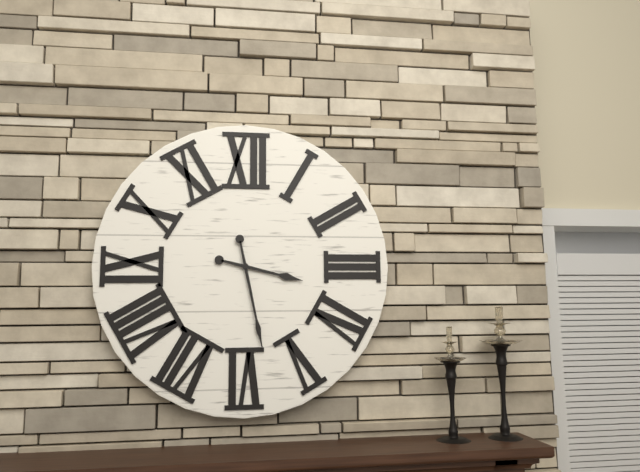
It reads 3h28
